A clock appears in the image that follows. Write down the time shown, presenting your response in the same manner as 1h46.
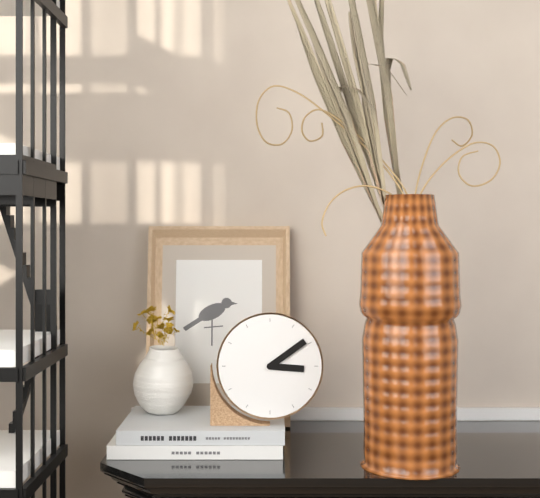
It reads 3h09
